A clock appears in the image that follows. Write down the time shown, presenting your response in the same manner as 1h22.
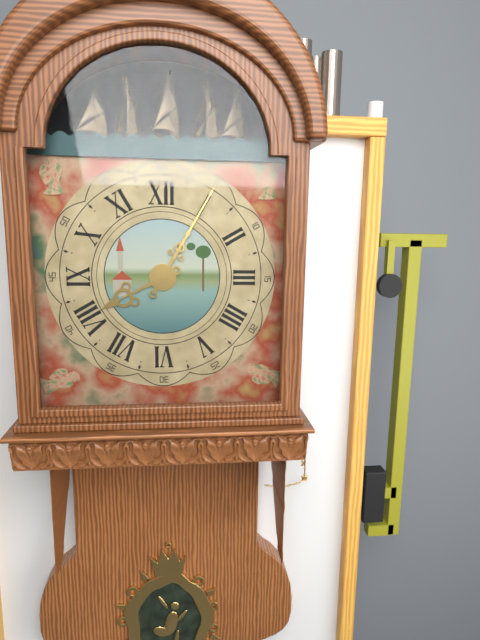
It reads 8h05
